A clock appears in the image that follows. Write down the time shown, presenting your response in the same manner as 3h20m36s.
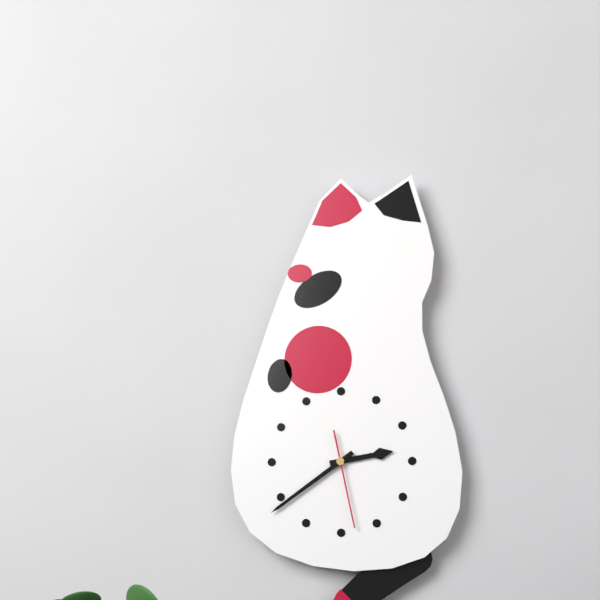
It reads 2h39m28s
